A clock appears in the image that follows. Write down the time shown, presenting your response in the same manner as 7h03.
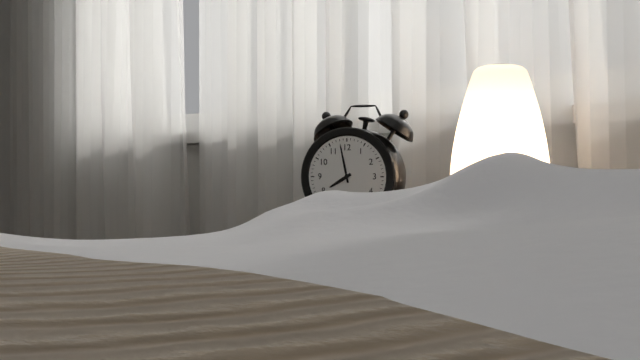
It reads 7h58
